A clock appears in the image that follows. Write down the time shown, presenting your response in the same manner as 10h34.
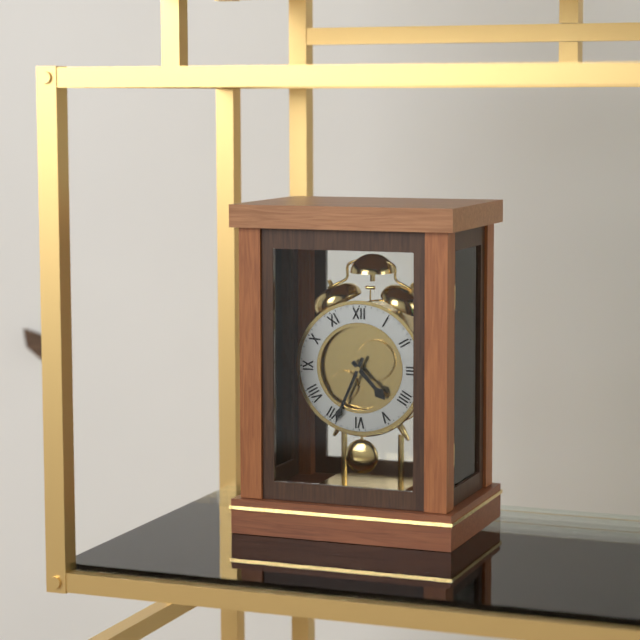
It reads 4h34
